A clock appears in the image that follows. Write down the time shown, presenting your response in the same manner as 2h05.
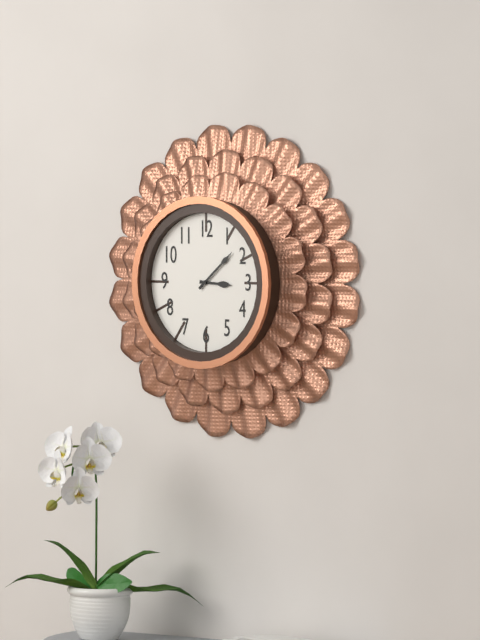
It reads 3h08
